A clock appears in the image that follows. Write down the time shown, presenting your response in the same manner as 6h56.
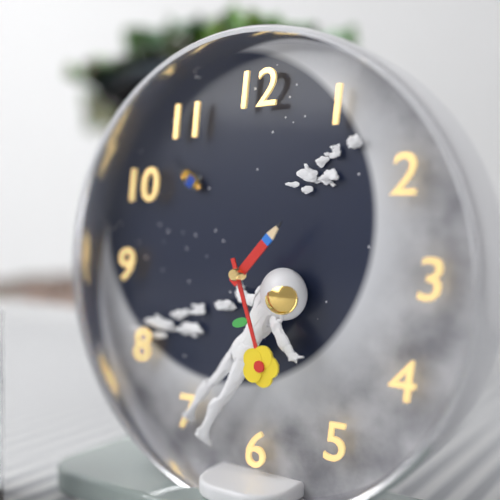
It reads 1h27
